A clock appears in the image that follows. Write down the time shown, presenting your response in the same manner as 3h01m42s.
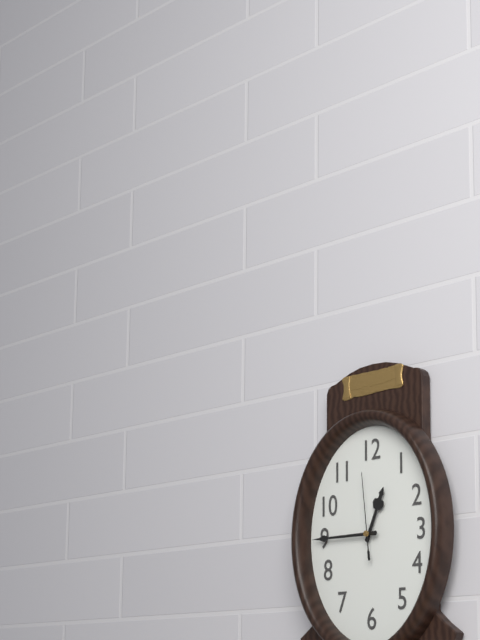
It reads 12h45m59s
